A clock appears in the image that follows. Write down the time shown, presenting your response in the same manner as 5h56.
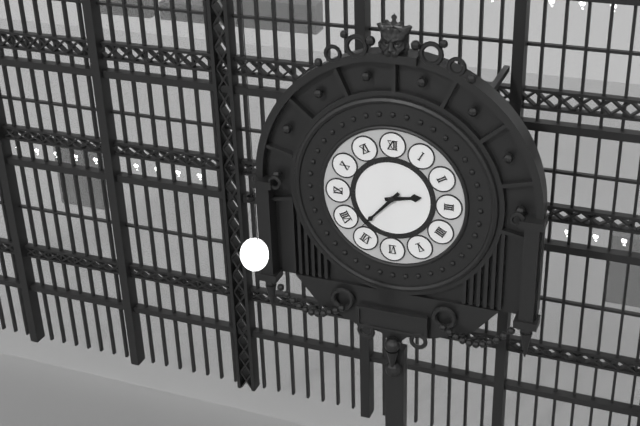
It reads 2h37
